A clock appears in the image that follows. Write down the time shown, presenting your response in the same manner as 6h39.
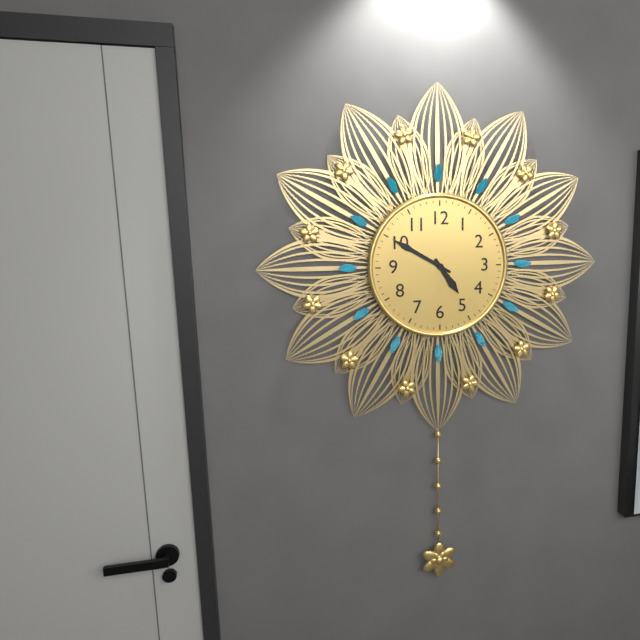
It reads 4h50
